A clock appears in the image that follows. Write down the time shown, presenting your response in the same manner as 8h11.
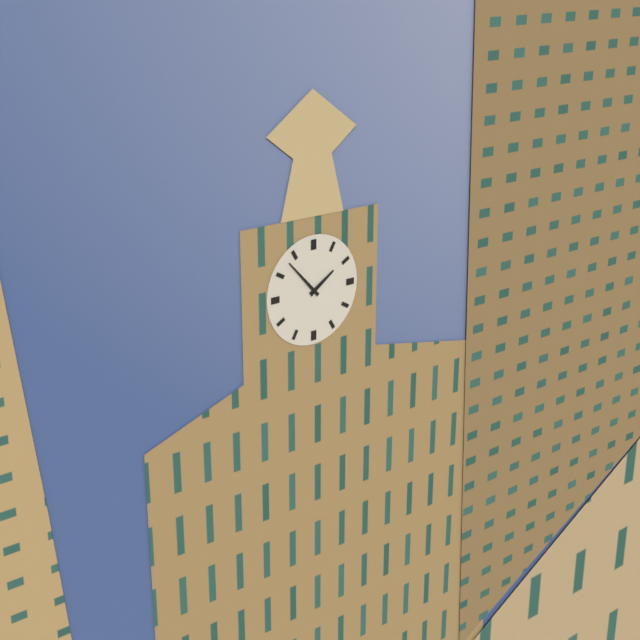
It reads 1h53
